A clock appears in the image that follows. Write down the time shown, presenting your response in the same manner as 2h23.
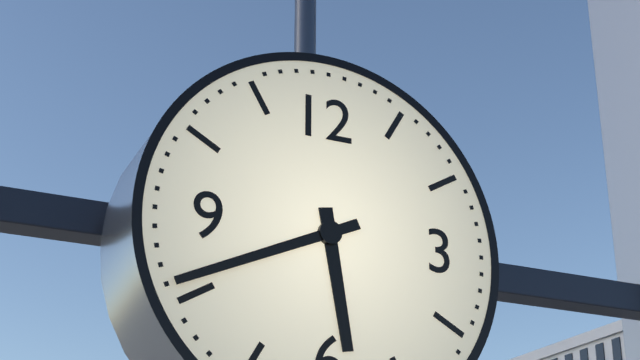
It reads 5h41
